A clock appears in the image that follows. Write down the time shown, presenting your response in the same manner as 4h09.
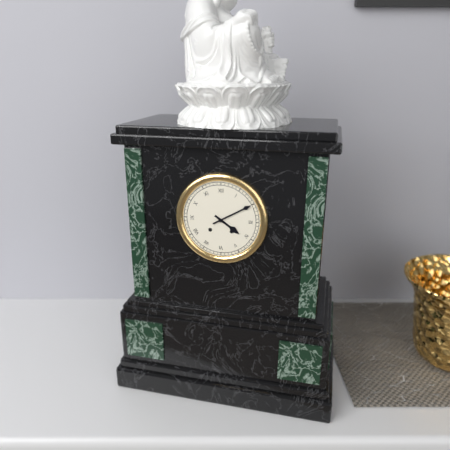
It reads 4h10
